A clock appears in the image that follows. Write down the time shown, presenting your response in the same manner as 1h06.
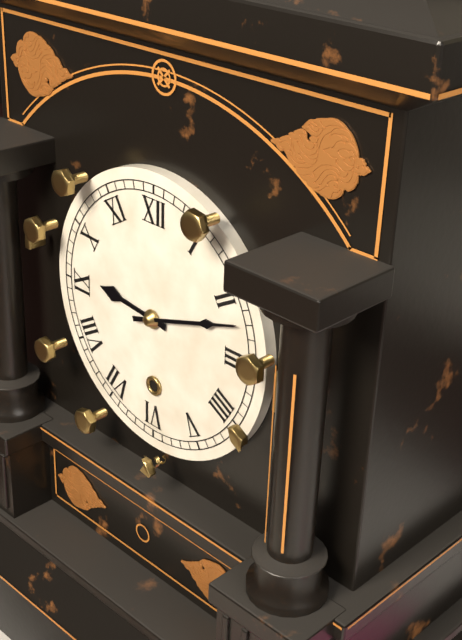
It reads 9h12
